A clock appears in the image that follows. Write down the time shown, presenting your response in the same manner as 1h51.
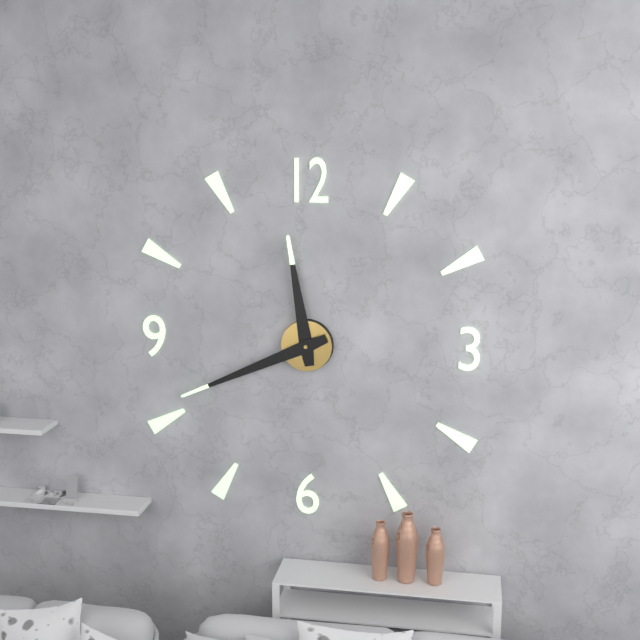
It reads 11h41
